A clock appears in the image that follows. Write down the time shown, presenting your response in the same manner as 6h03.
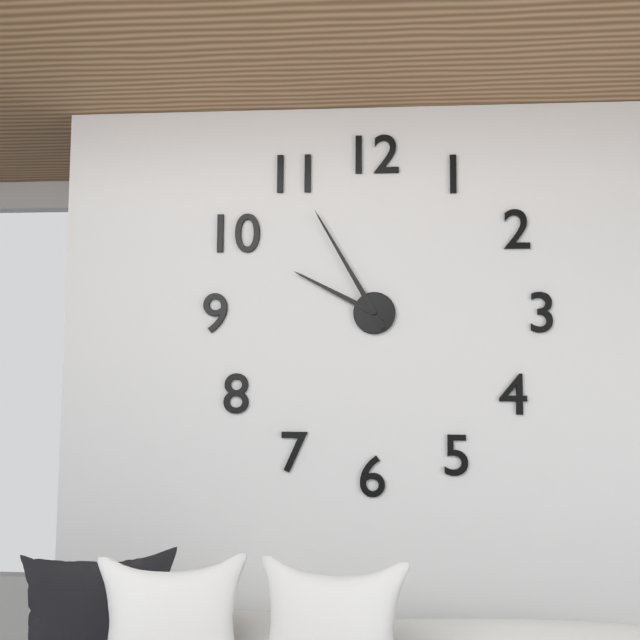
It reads 9h55
